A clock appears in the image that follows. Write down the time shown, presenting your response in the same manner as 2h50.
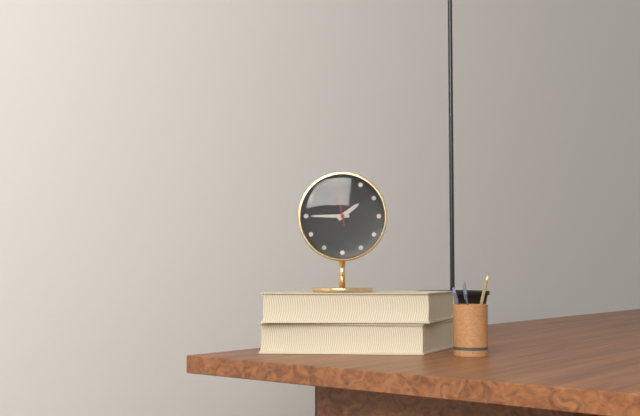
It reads 1h45
